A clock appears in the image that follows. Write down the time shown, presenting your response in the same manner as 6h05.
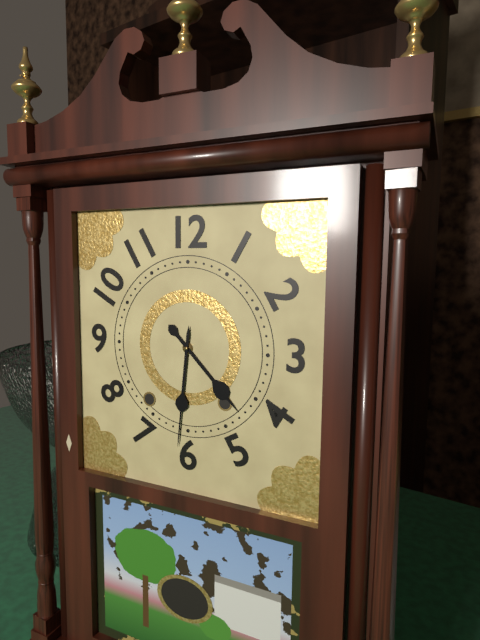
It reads 4h31
